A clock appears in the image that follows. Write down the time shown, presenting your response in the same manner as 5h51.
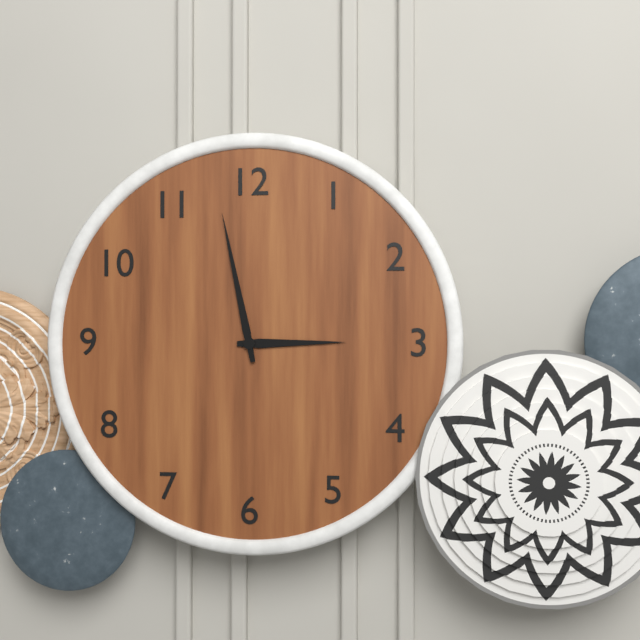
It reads 2h58
